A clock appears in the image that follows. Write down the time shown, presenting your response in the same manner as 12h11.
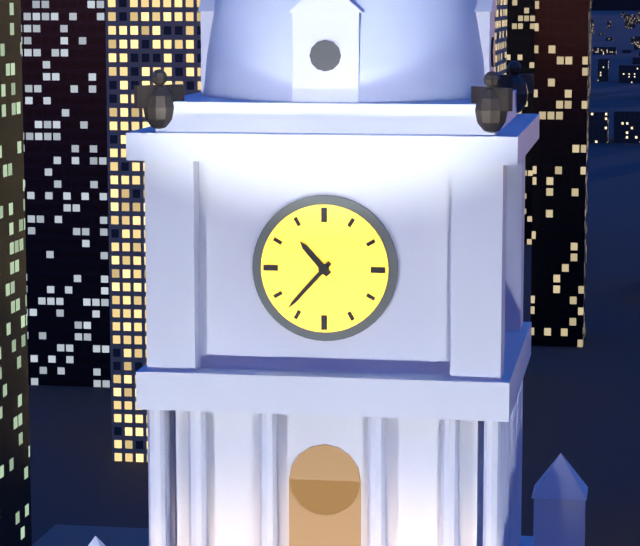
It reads 10h37
